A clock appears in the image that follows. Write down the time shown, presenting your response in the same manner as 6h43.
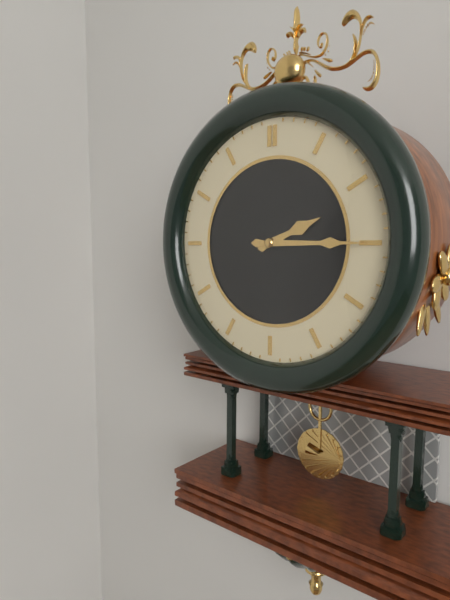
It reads 2h15
